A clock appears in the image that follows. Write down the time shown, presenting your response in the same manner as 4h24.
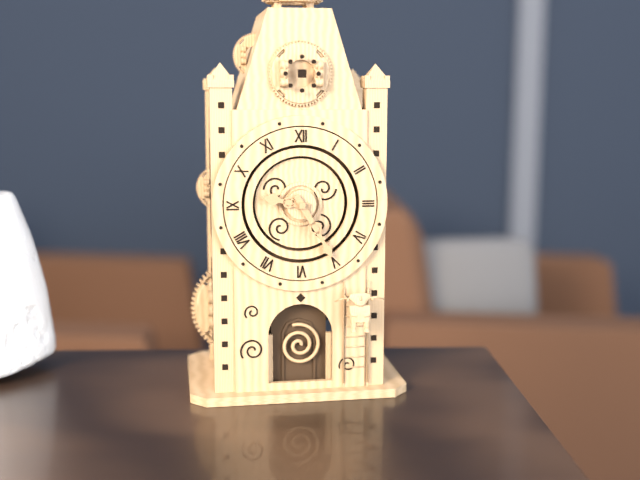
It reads 9h25
